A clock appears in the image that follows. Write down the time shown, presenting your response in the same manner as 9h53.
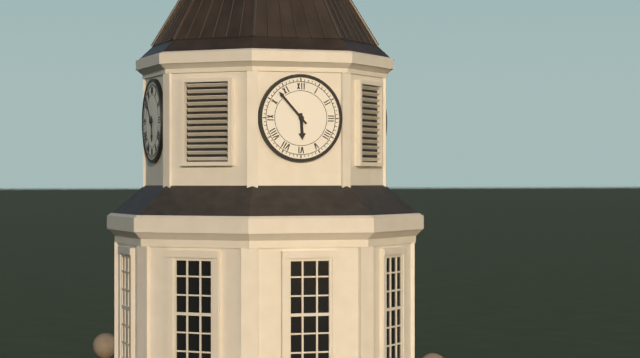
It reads 5h53
